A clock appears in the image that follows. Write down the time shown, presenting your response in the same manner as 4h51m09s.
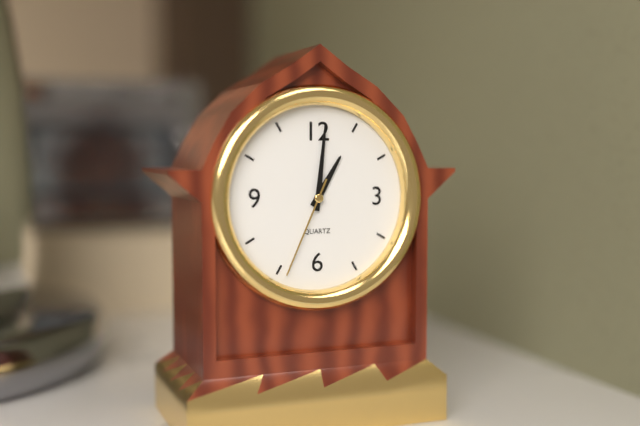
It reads 1h01m34s
